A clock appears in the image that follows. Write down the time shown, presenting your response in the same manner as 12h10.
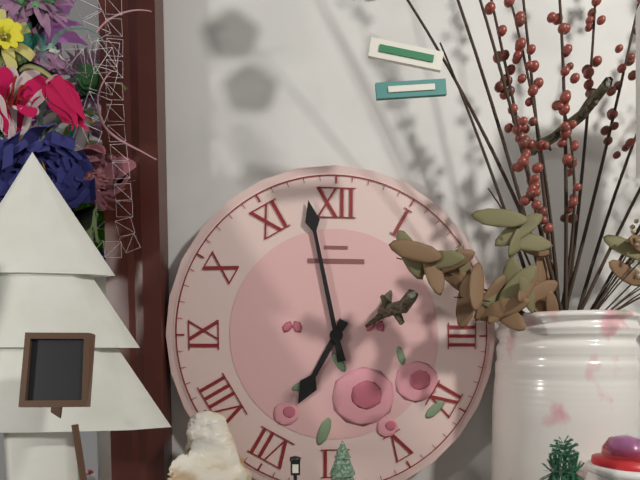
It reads 6h58
